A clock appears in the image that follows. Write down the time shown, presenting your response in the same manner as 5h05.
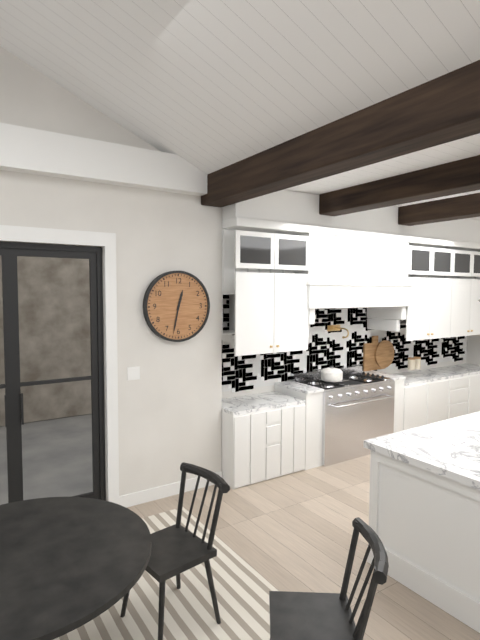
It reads 12h32
